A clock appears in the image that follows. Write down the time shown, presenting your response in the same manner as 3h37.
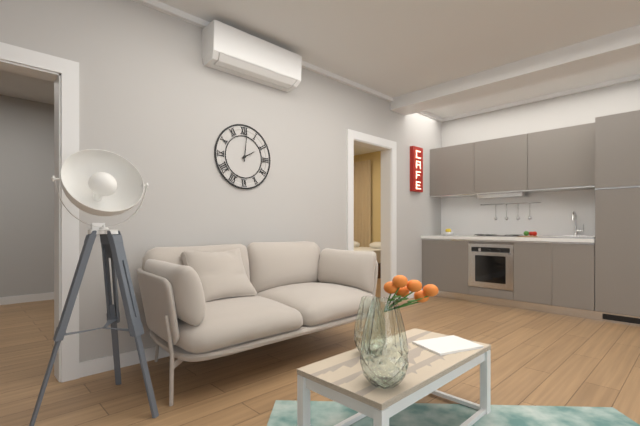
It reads 2h01
